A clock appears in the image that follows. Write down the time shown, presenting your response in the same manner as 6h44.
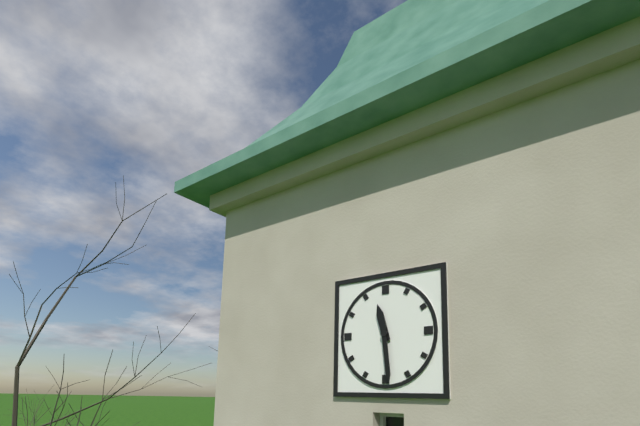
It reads 11h29
